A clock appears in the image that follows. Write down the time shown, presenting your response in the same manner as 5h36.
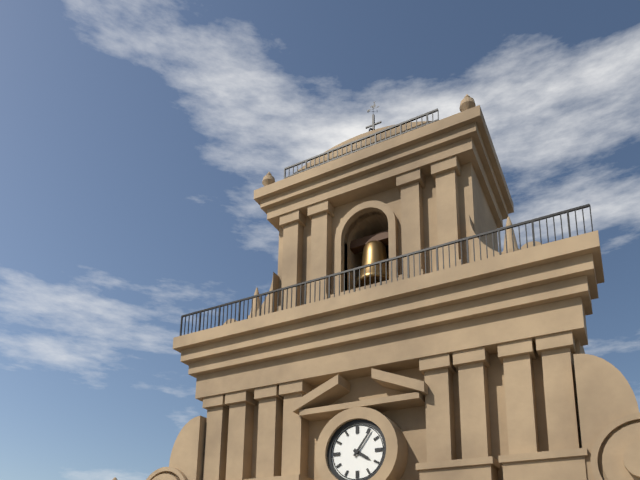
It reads 4h06
